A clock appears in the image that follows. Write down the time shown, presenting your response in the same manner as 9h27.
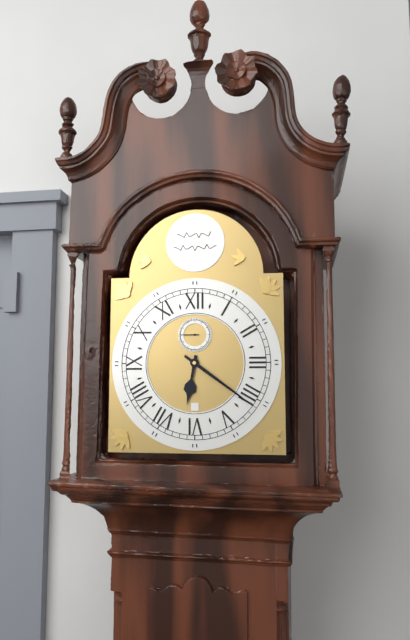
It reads 6h21
